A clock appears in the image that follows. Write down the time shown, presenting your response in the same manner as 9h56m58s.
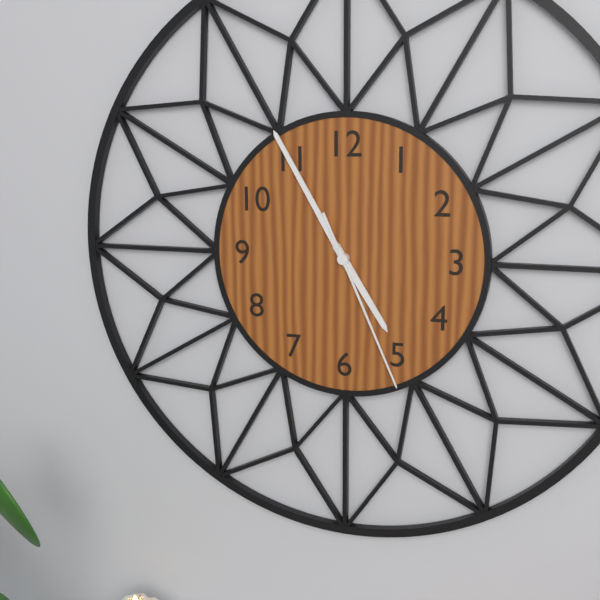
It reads 4h55m26s
